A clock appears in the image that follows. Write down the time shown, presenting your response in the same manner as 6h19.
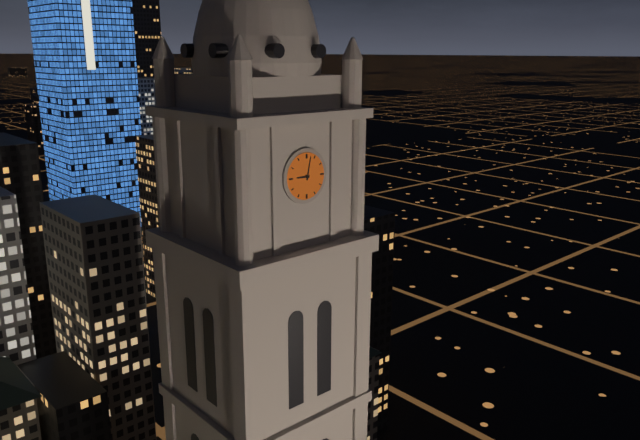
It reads 9h02
